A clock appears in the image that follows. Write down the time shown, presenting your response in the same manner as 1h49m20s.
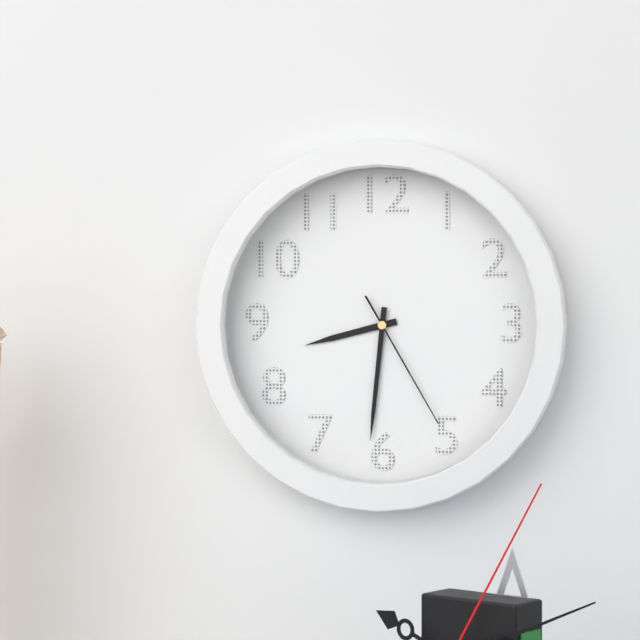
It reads 8h31m25s
